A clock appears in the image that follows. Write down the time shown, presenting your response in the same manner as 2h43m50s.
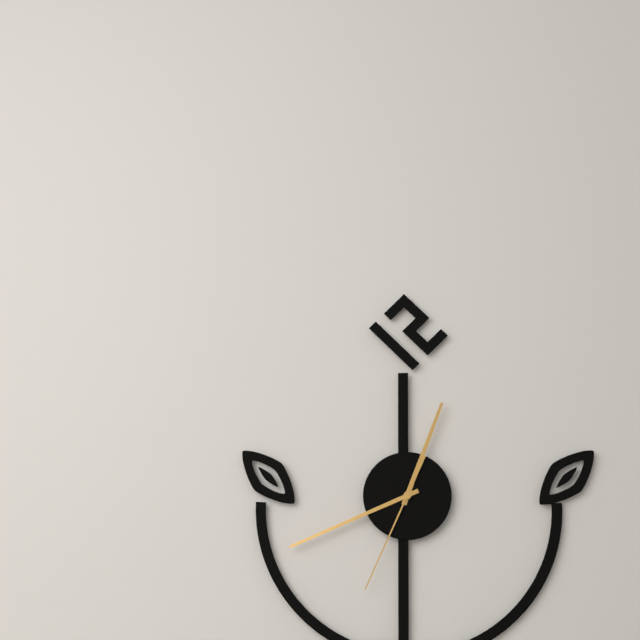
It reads 12h41m34s
